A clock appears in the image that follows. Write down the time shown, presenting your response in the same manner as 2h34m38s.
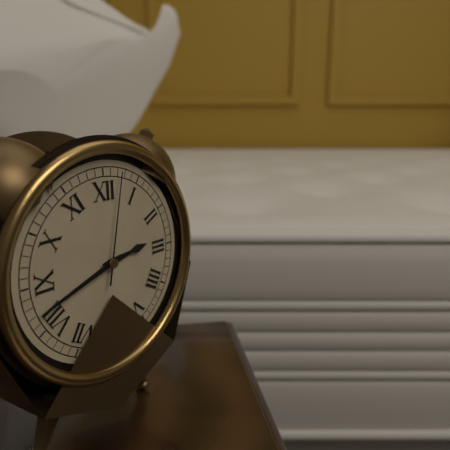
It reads 2h42m02s
